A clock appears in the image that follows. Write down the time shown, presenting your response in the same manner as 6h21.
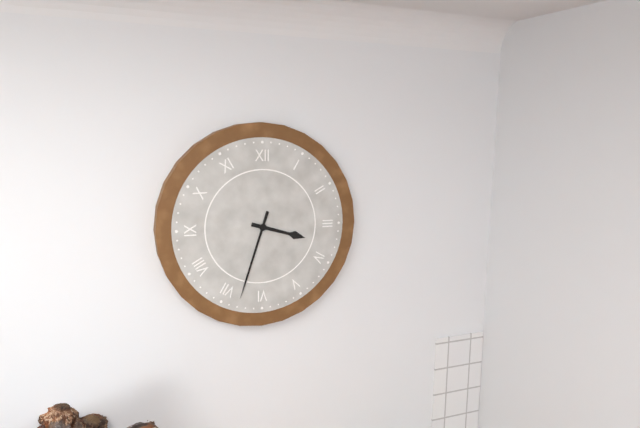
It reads 3h33
